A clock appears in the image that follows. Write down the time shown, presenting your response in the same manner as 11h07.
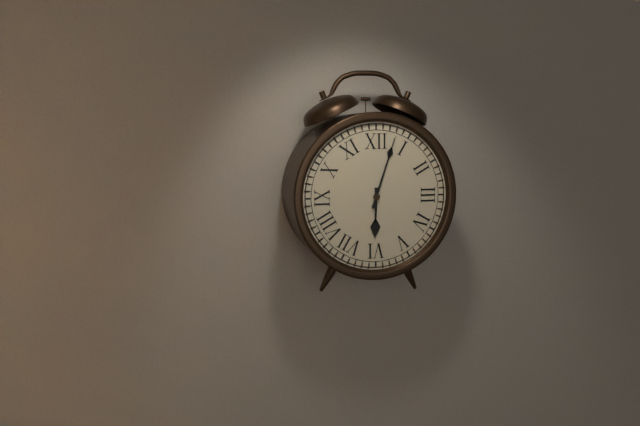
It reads 6h03
